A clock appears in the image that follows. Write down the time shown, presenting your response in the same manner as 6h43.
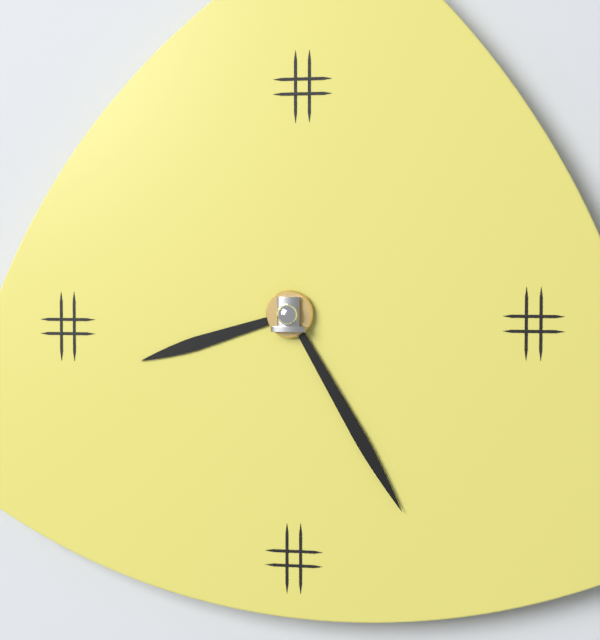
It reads 8h25
